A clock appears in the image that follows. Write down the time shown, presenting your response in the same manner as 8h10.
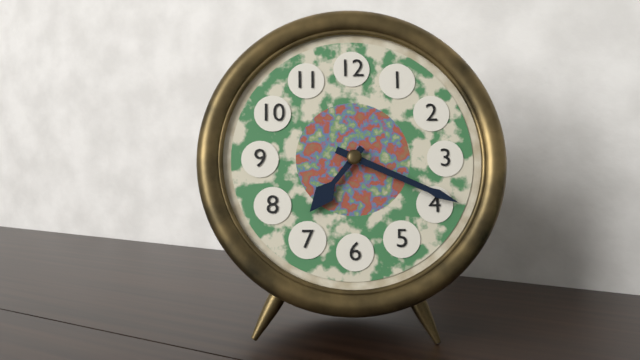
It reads 7h19
